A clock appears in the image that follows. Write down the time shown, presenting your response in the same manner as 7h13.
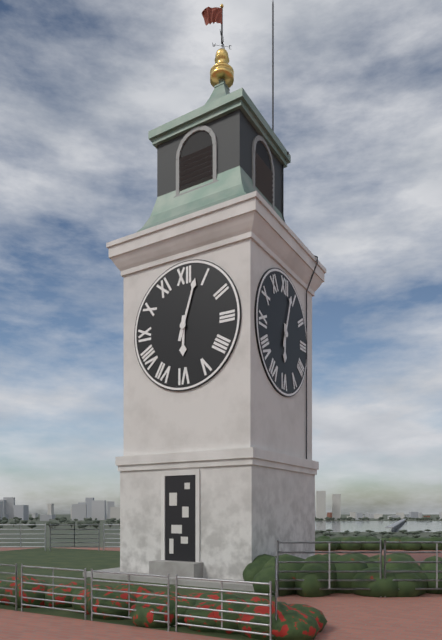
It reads 6h03
